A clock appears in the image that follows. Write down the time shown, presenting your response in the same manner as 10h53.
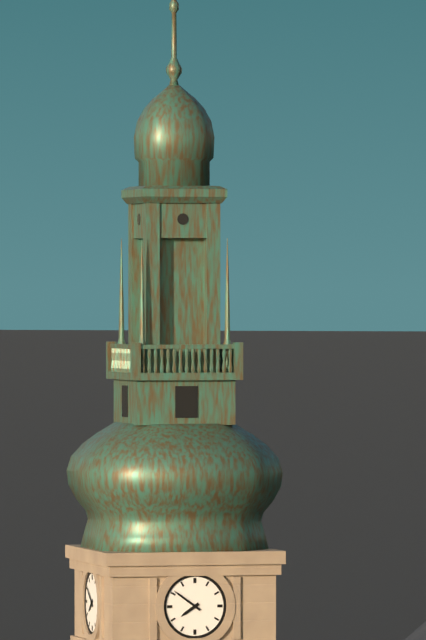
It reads 7h51
